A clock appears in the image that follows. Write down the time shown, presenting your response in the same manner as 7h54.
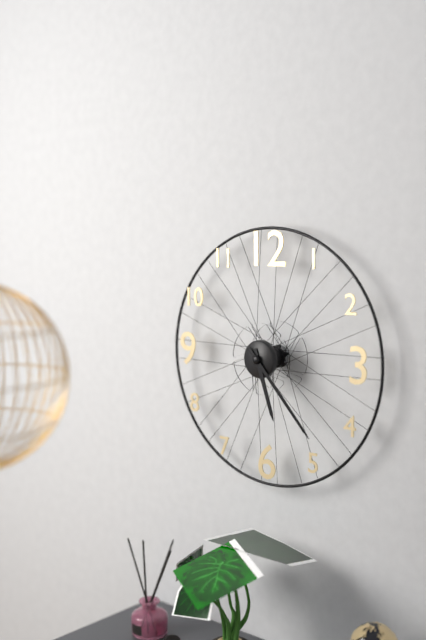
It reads 5h23
